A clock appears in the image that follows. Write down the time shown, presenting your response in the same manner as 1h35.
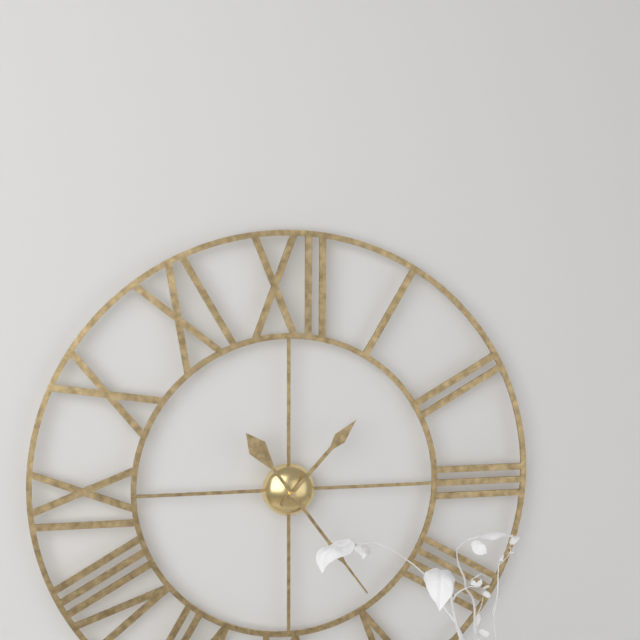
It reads 1h24
